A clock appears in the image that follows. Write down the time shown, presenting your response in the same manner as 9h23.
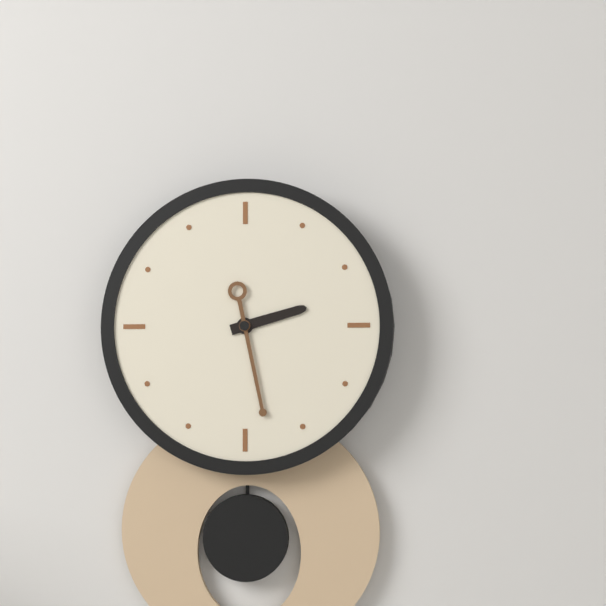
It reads 2h28
